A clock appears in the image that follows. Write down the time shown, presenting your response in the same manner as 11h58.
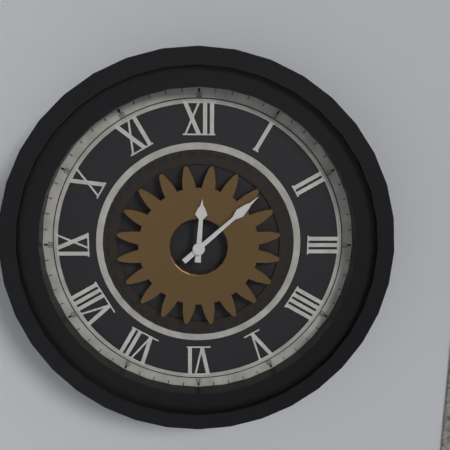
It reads 12h08
